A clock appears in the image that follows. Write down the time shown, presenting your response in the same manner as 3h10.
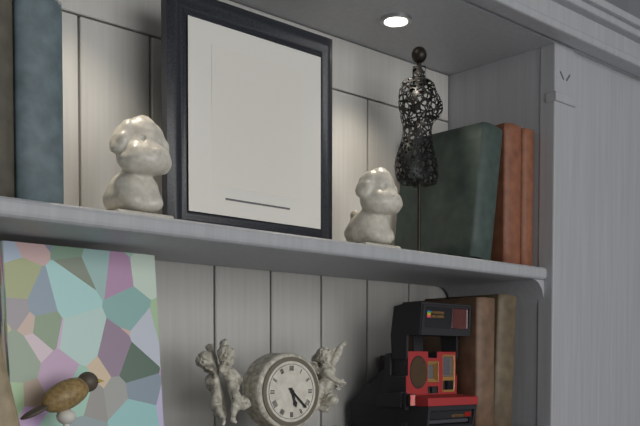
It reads 5h22
